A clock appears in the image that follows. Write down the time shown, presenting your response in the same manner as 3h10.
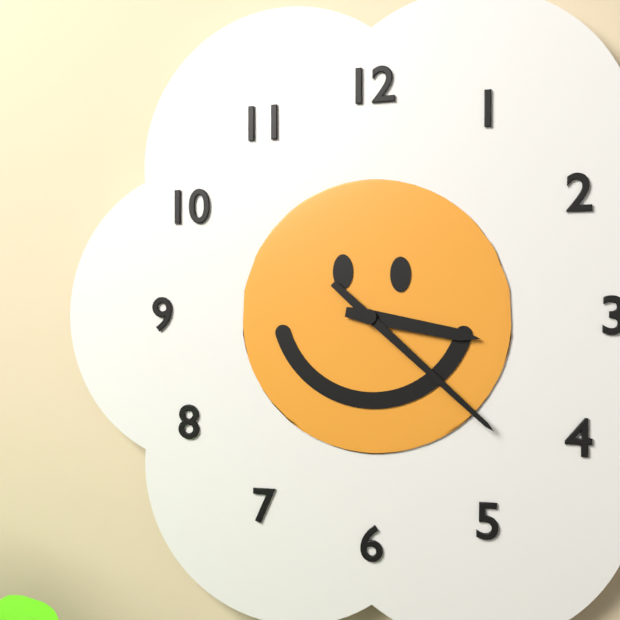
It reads 3h22
